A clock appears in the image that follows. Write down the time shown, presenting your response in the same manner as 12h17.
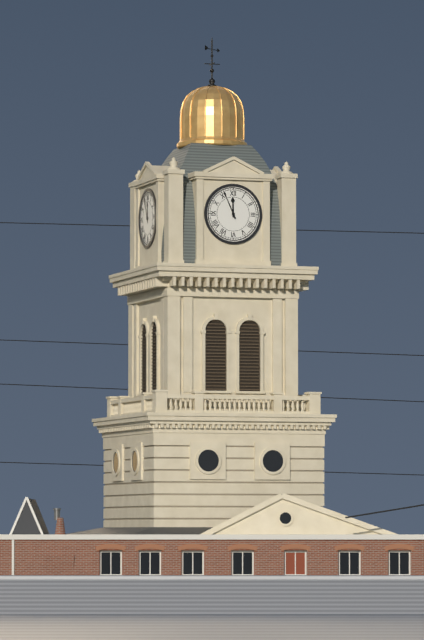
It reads 11h56
